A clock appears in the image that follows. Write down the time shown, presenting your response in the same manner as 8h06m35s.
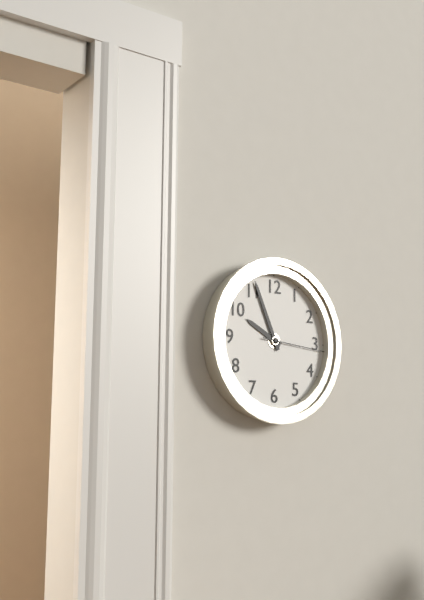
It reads 9h56m16s
